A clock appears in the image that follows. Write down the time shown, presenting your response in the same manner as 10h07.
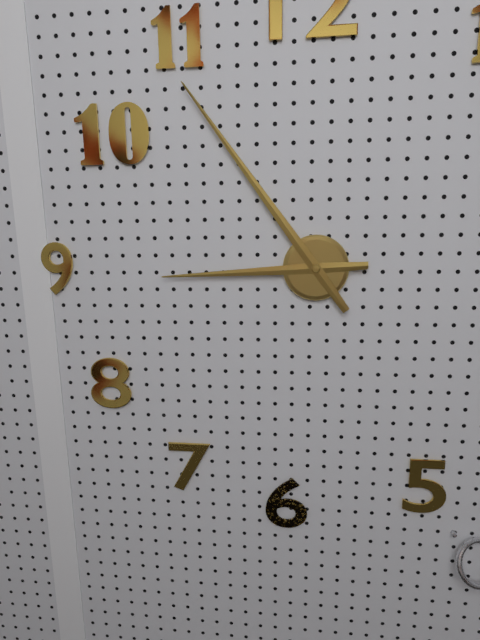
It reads 8h54
